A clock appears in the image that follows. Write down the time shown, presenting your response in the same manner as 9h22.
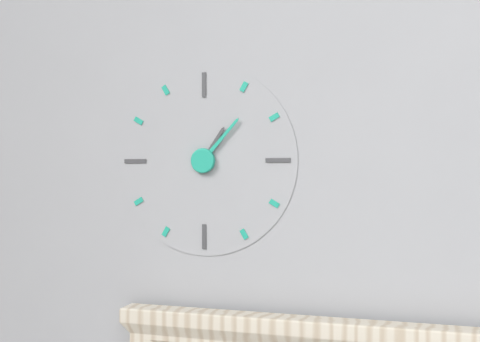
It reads 1h07
